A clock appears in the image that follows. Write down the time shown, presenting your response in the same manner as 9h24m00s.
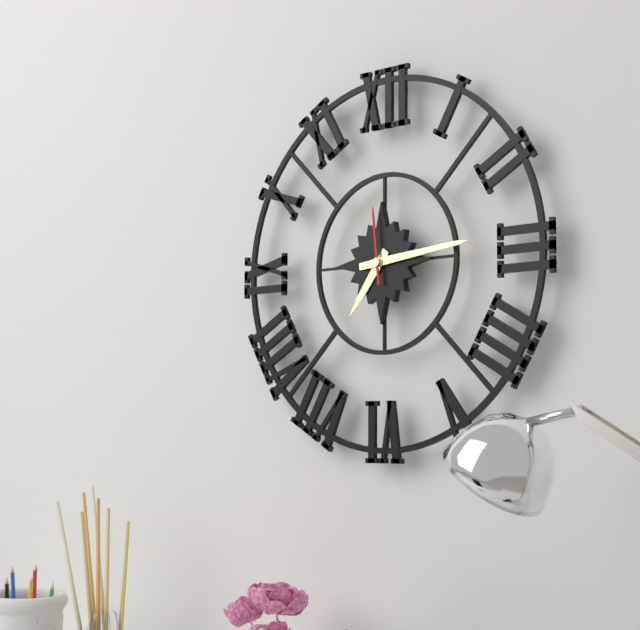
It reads 7h14m59s
